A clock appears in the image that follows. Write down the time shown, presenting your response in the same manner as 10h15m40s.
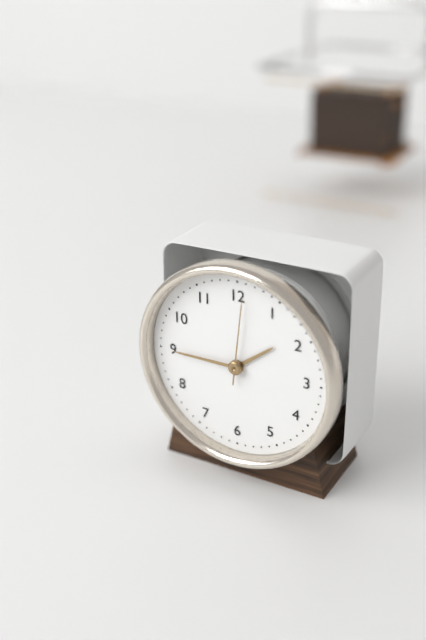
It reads 1h45m01s
